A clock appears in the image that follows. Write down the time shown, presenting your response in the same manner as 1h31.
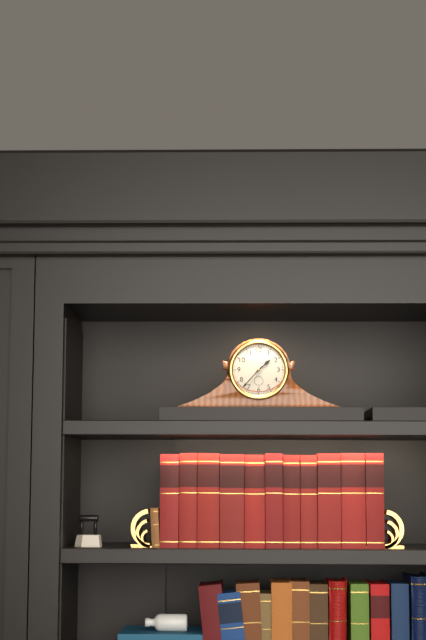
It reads 1h37
